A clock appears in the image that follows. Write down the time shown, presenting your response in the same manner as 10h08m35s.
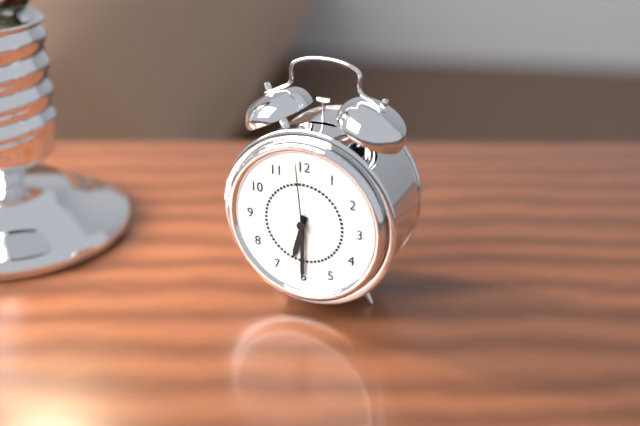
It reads 6h30m59s
